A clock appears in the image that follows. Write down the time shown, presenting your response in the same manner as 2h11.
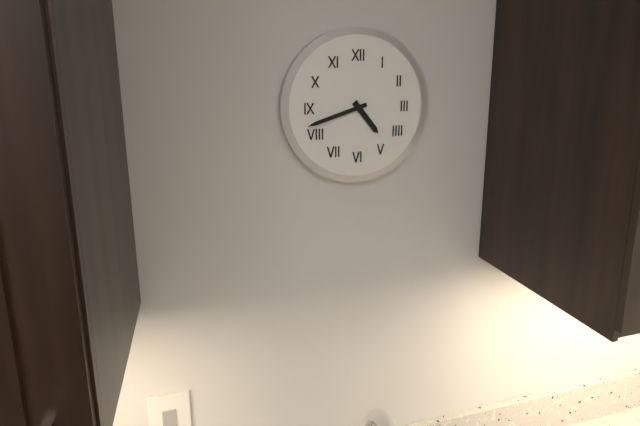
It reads 4h42
